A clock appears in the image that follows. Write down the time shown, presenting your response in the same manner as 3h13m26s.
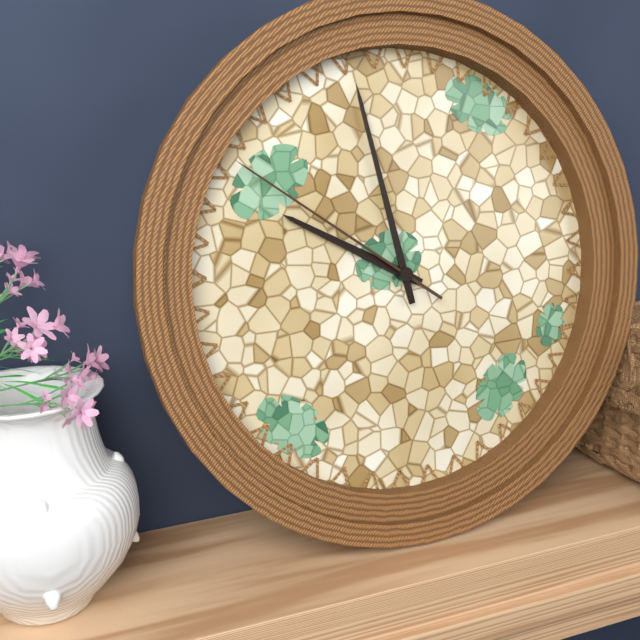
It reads 9h58m51s
